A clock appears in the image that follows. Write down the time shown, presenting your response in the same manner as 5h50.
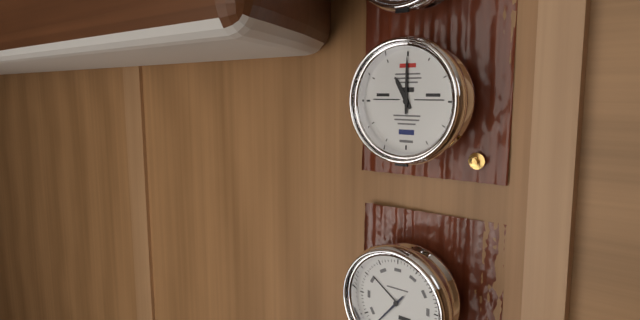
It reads 11h00
